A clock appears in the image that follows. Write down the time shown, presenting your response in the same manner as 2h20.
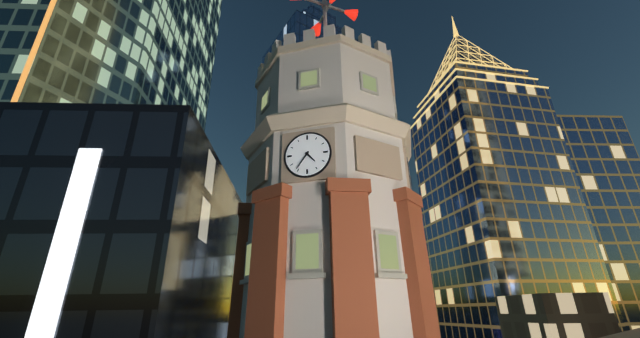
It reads 4h36
